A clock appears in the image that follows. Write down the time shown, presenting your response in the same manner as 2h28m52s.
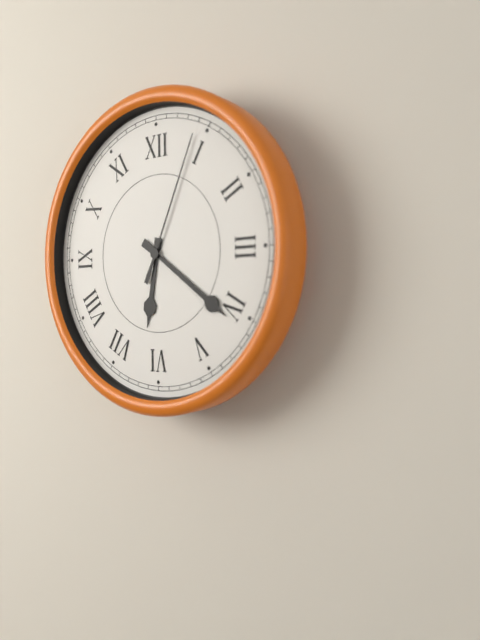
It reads 6h21m04s
